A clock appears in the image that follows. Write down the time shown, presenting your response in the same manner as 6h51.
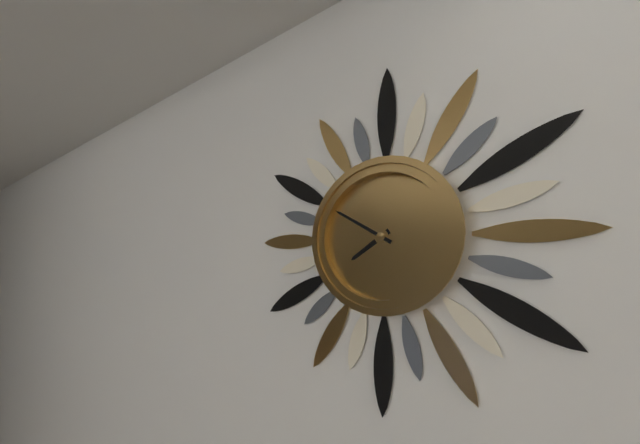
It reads 7h50
